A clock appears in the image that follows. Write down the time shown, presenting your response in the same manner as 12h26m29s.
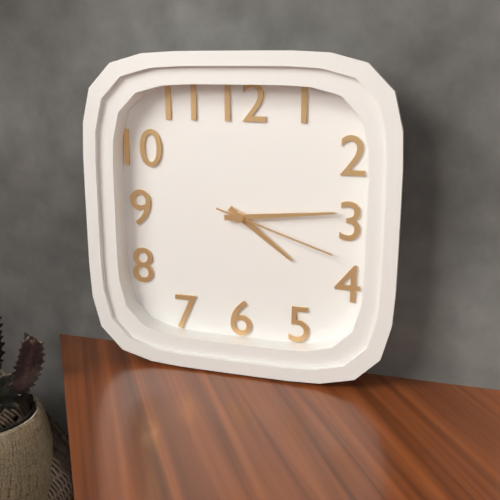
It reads 4h14m18s
